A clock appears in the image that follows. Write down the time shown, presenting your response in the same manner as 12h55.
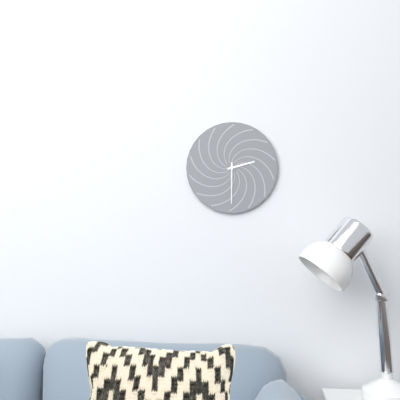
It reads 2h30
